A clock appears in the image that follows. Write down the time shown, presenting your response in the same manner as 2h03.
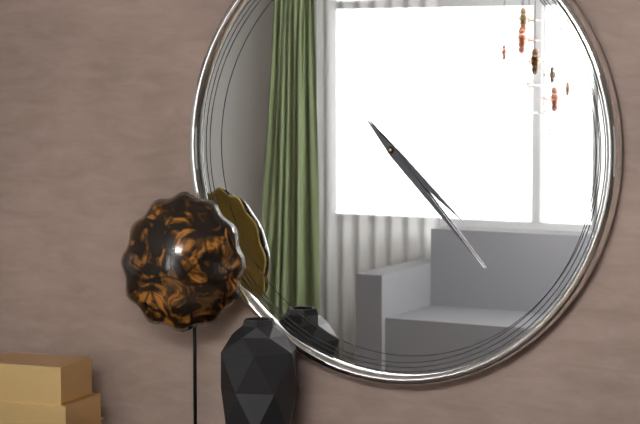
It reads 4h23
